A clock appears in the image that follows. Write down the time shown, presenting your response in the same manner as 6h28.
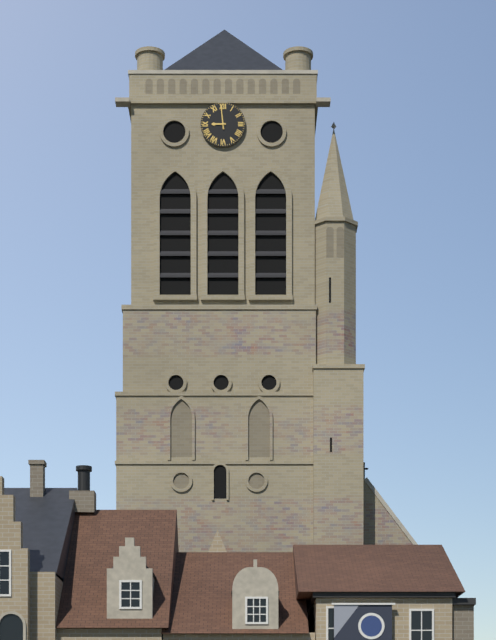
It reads 8h59
